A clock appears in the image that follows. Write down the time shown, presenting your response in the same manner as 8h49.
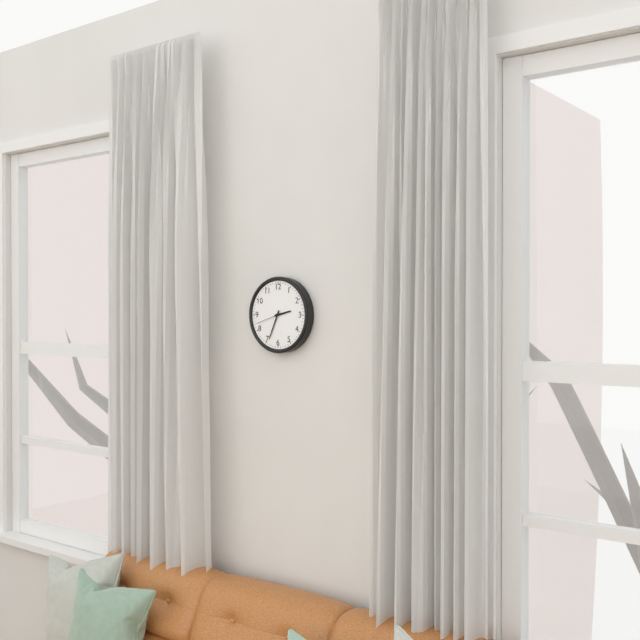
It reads 2h34
